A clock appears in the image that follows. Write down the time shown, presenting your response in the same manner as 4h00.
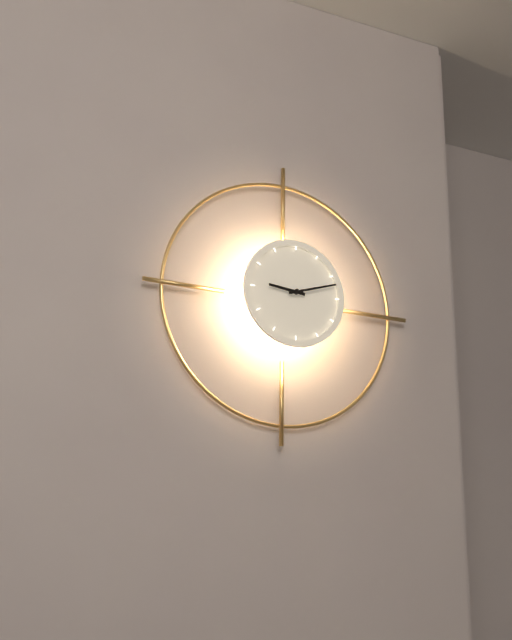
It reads 9h12
